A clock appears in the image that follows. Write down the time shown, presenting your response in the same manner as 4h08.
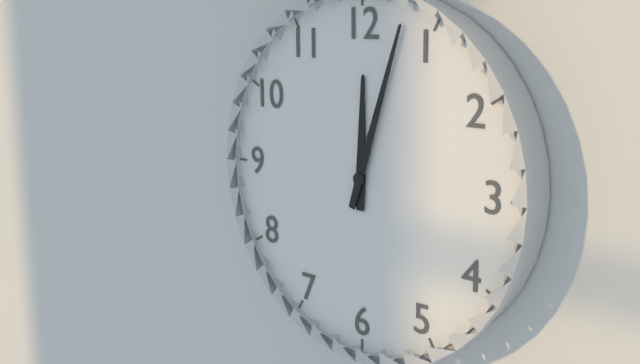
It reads 12h03
